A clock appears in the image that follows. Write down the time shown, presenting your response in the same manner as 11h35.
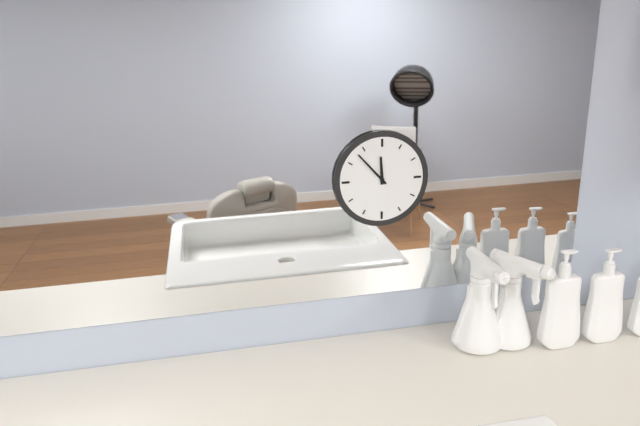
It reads 11h53
